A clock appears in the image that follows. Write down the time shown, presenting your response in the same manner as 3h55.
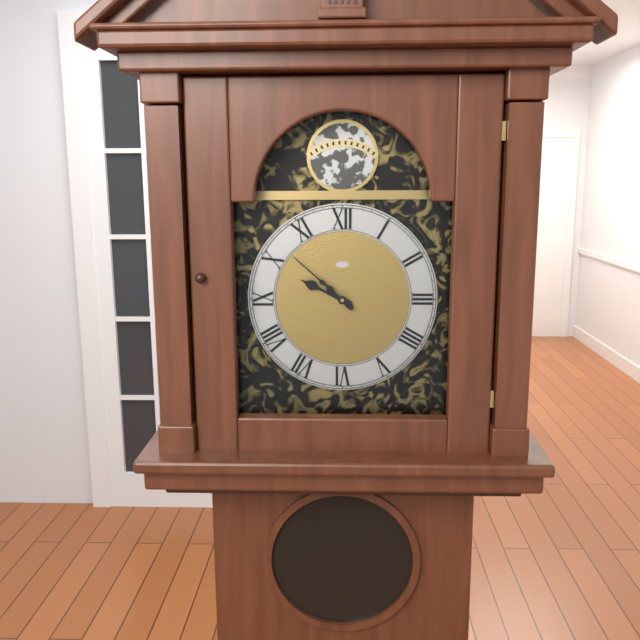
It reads 9h52
